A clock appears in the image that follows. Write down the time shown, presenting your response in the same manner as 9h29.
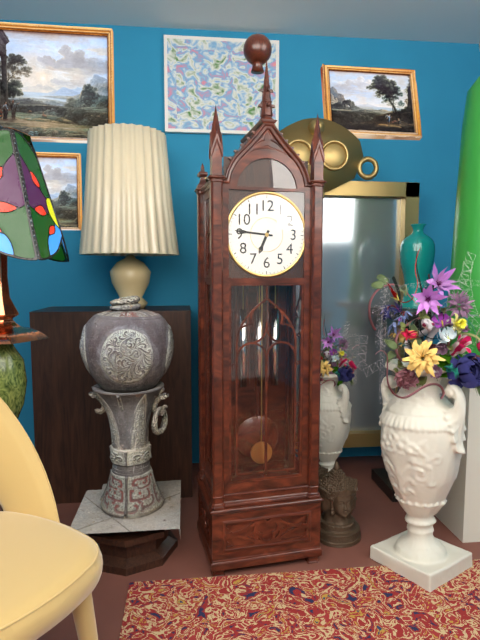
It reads 6h46
